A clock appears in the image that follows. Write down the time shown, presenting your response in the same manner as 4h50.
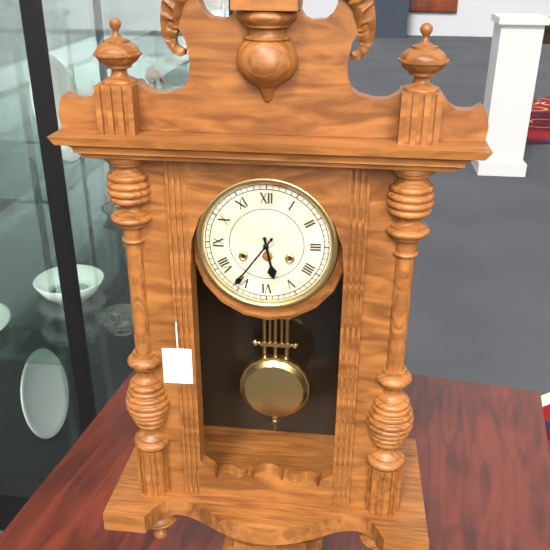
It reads 5h36
